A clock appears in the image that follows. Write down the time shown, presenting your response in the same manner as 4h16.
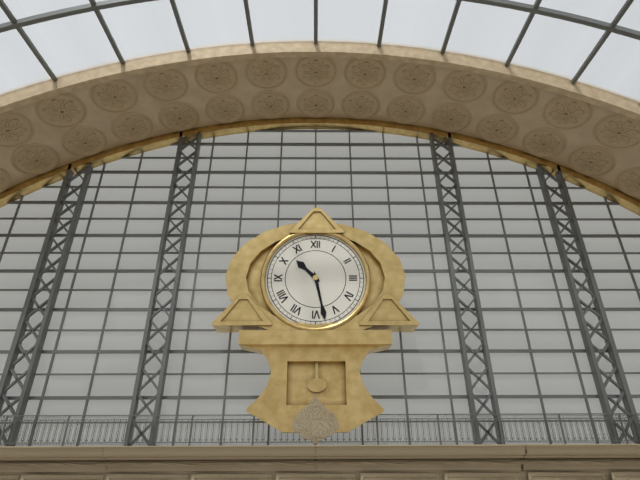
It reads 10h28
